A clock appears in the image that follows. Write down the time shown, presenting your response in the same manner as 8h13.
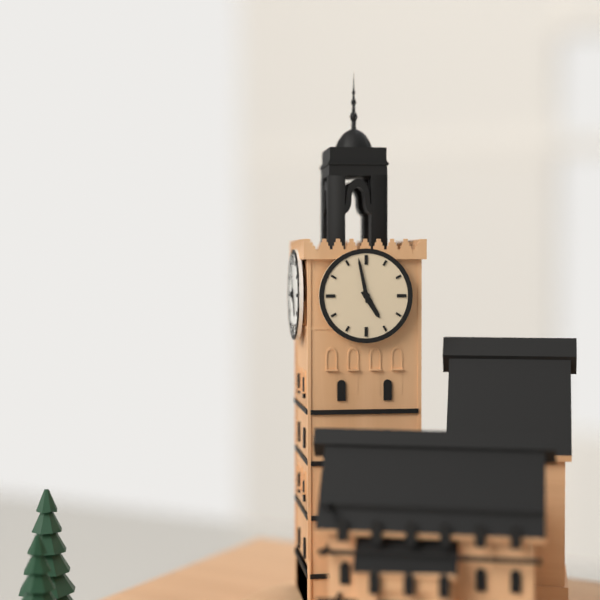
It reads 4h58
